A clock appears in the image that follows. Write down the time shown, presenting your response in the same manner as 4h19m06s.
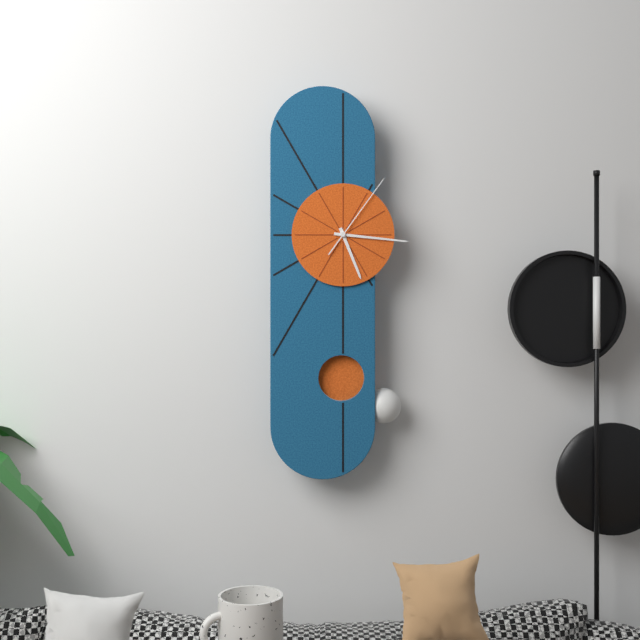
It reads 5h16m06s
